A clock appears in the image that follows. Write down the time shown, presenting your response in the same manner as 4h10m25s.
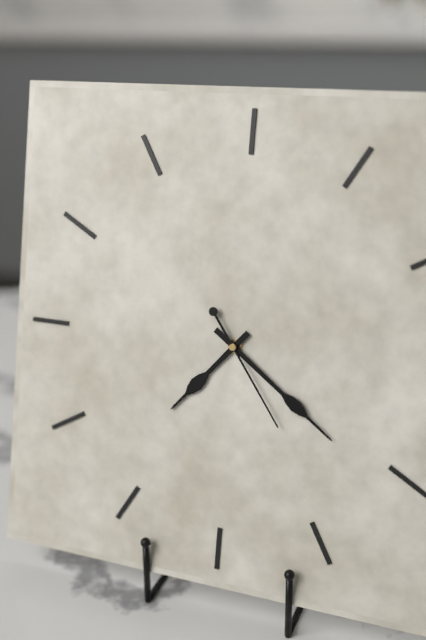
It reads 7h21m24s
